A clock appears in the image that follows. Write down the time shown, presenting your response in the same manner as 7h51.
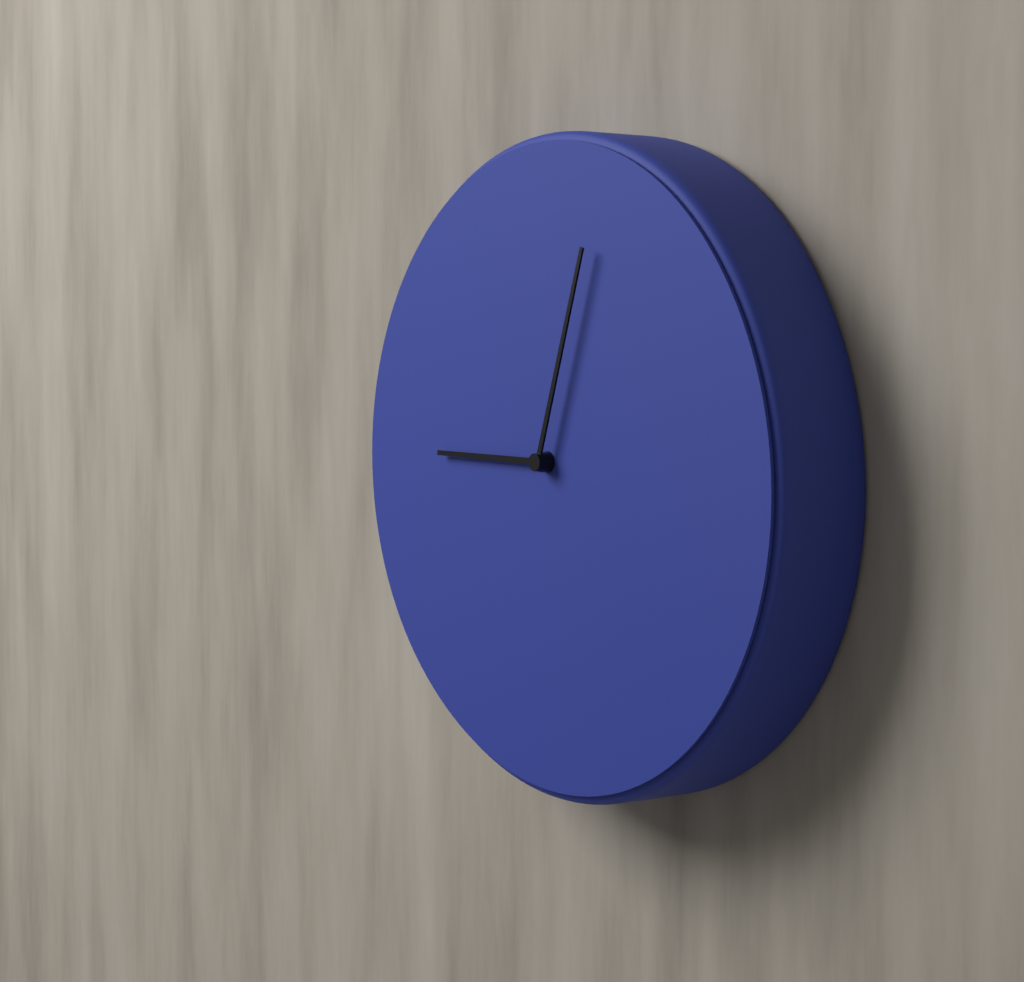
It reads 9h03
